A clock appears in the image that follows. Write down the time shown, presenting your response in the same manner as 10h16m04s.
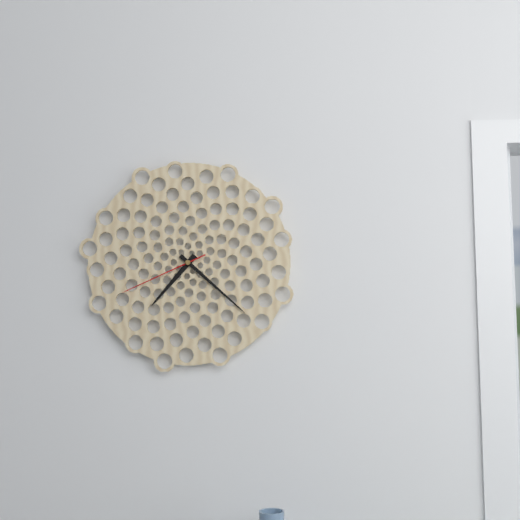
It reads 7h22m41s
